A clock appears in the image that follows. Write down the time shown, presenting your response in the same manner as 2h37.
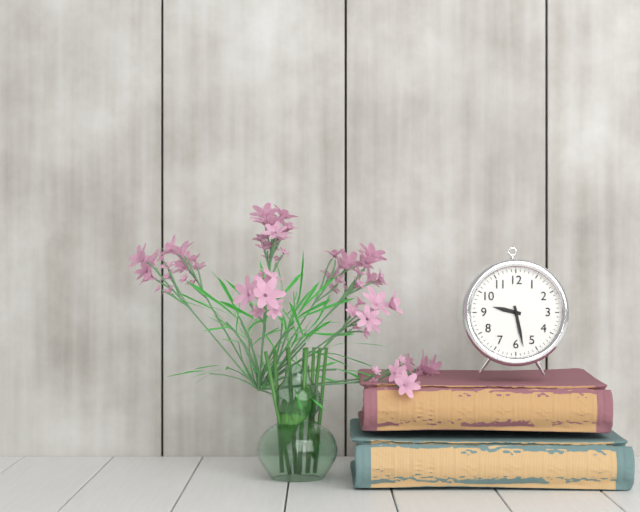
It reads 9h28
